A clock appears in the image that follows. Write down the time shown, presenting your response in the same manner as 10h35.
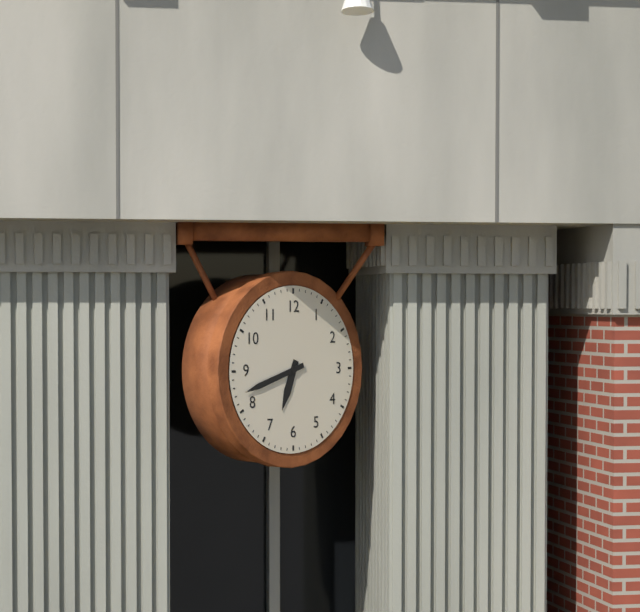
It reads 6h42
